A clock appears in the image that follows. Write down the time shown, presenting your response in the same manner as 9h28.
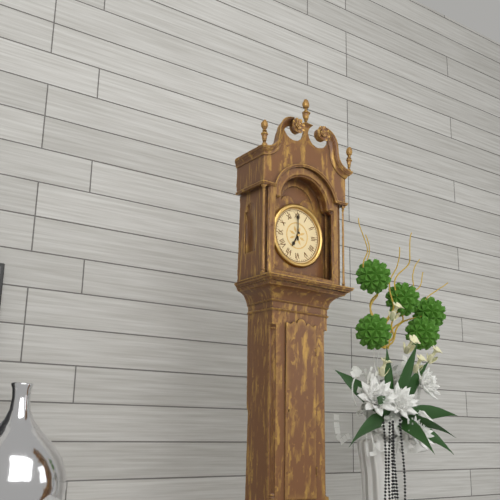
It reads 7h00
